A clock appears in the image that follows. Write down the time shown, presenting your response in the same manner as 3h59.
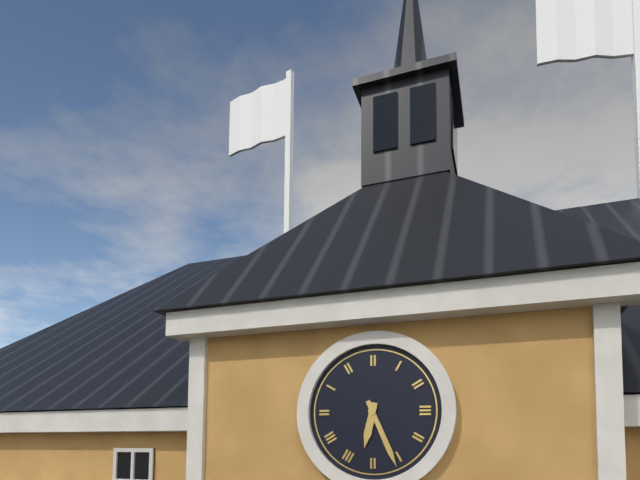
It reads 6h26
